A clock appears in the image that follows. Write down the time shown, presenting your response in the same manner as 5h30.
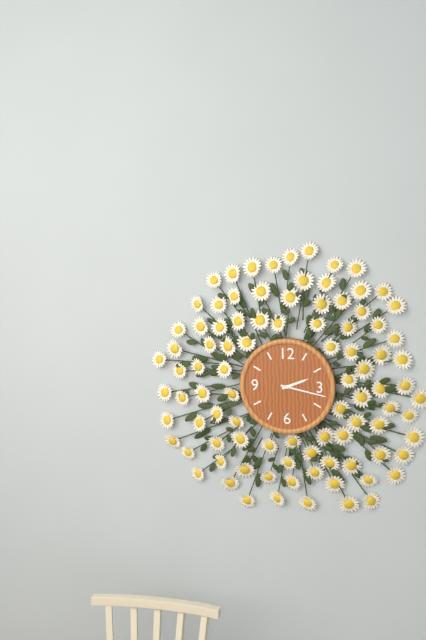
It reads 2h17
